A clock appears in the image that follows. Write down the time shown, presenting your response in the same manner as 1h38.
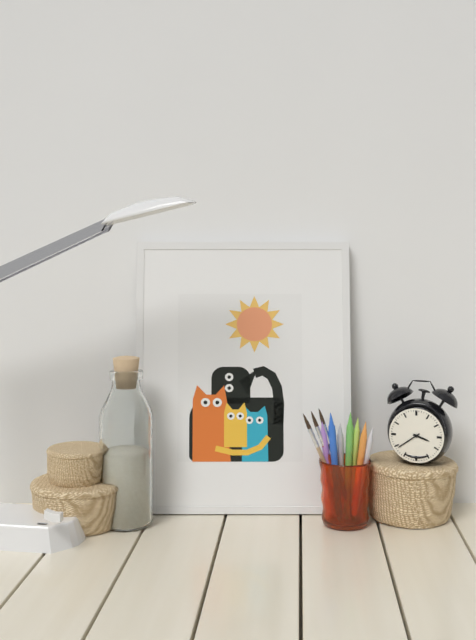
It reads 3h39
